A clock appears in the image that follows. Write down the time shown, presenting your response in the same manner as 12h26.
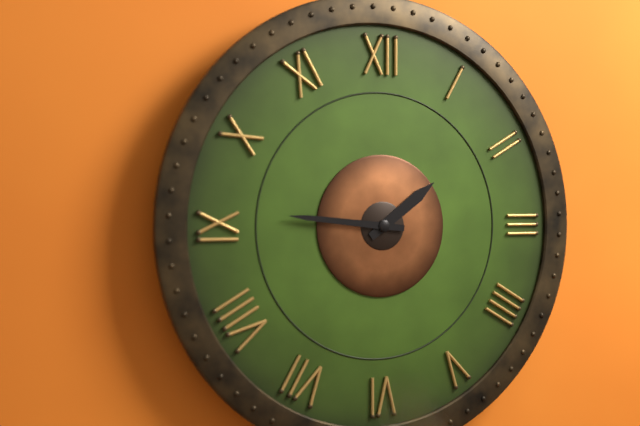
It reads 1h46
